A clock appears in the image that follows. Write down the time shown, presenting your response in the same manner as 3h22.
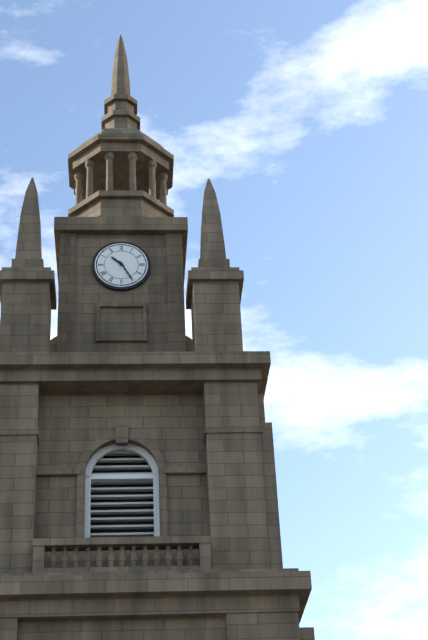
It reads 10h25
